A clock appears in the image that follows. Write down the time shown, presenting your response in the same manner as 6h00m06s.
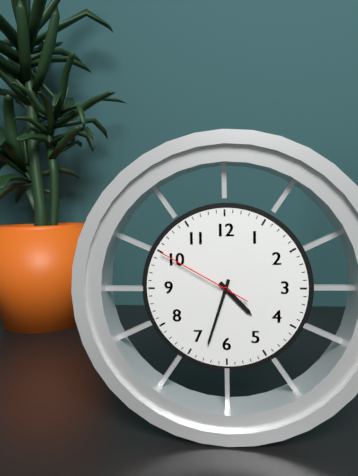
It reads 4h33m50s
